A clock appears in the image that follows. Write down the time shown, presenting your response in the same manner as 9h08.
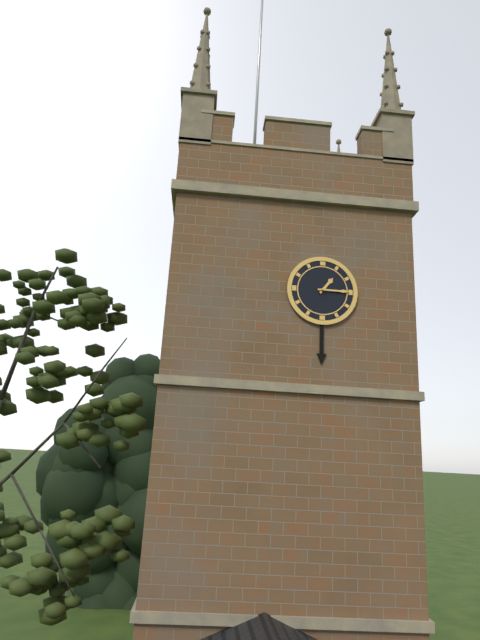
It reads 1h15
